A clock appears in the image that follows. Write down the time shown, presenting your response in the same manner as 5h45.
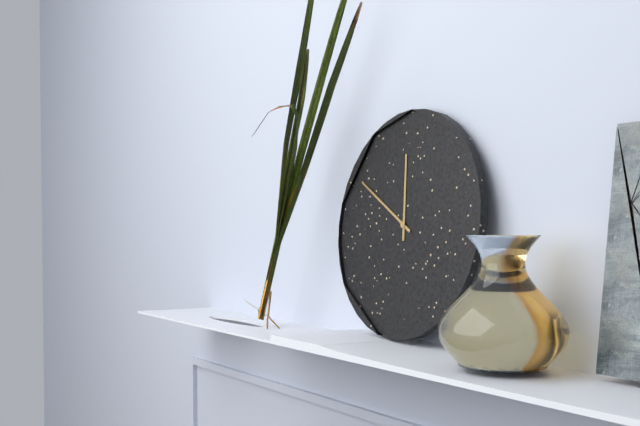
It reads 11h50
